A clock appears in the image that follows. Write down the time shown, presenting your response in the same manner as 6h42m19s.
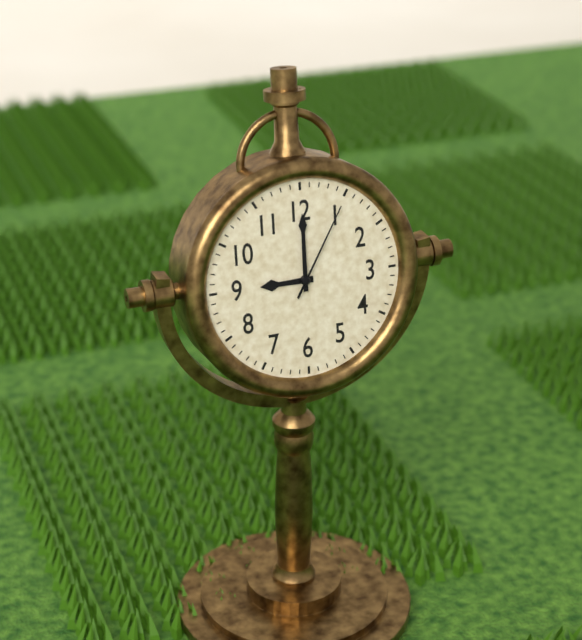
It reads 9h00m05s
